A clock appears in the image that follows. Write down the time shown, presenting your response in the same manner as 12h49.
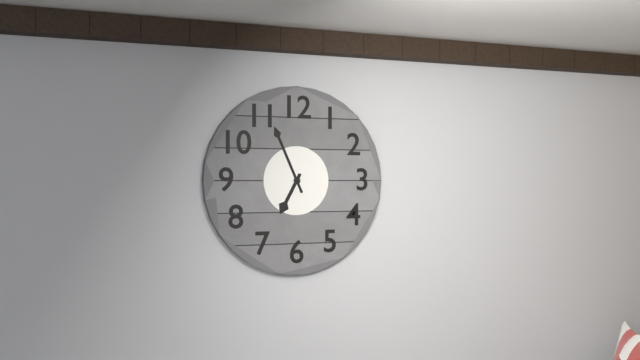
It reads 6h56
